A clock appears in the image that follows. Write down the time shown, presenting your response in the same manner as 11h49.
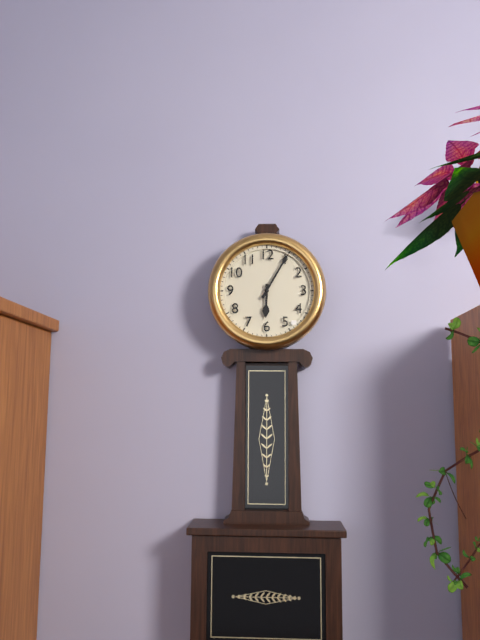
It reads 6h05
